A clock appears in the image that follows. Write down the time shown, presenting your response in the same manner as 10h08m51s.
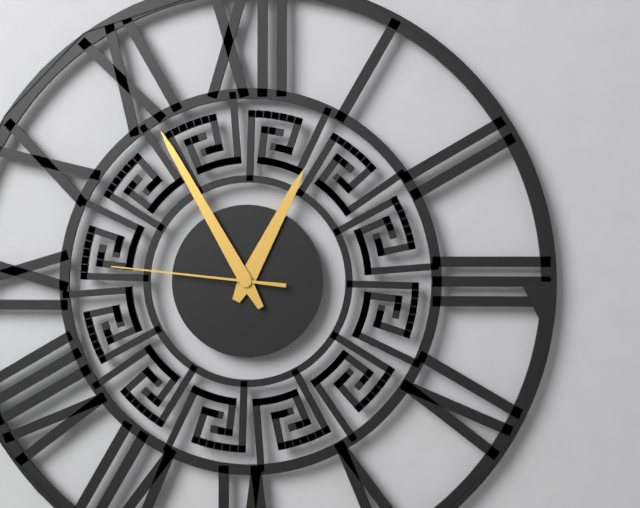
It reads 12h55m46s
